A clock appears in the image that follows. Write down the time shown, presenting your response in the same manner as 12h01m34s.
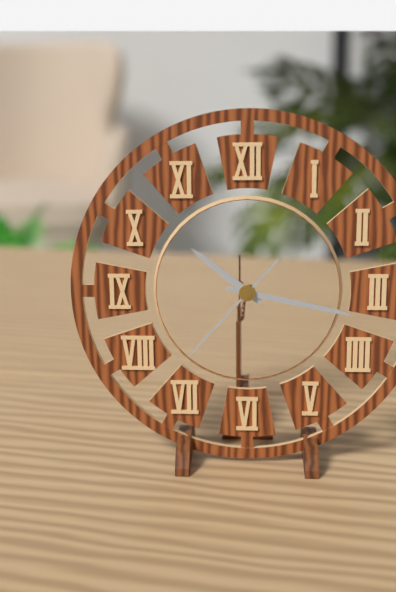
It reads 10h17m37s
